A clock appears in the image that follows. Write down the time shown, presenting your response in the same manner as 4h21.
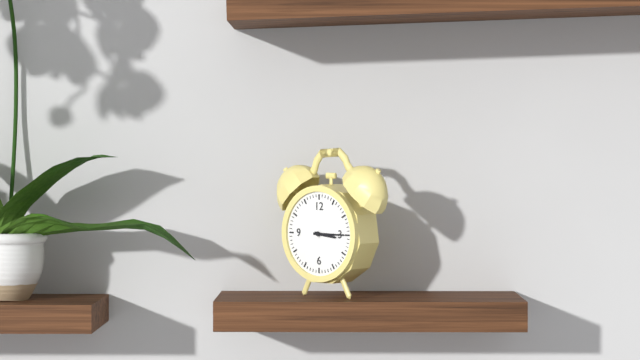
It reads 3h15
